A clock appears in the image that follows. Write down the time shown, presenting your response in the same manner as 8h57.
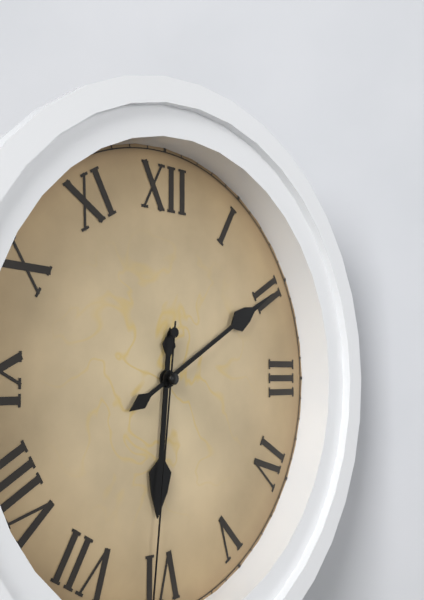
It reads 6h10
